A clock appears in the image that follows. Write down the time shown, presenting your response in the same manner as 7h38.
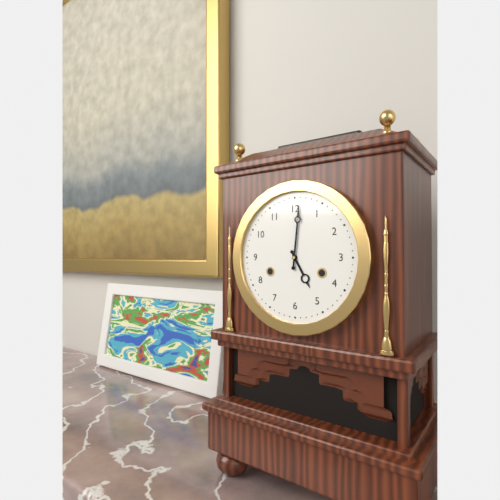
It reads 5h01
